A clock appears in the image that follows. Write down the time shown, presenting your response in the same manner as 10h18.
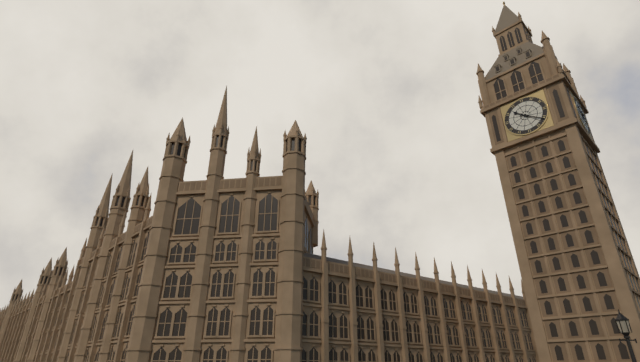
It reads 10h21
